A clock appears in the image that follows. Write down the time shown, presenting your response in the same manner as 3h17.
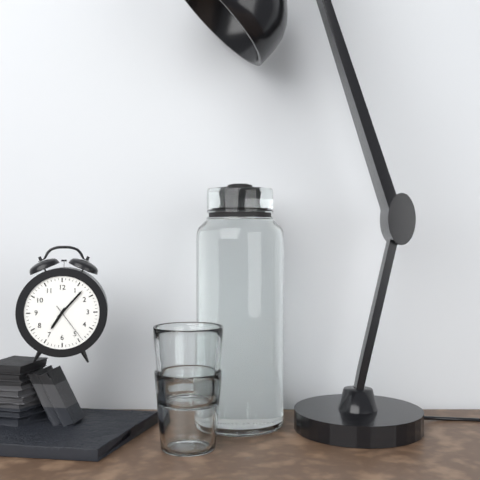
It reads 7h07
